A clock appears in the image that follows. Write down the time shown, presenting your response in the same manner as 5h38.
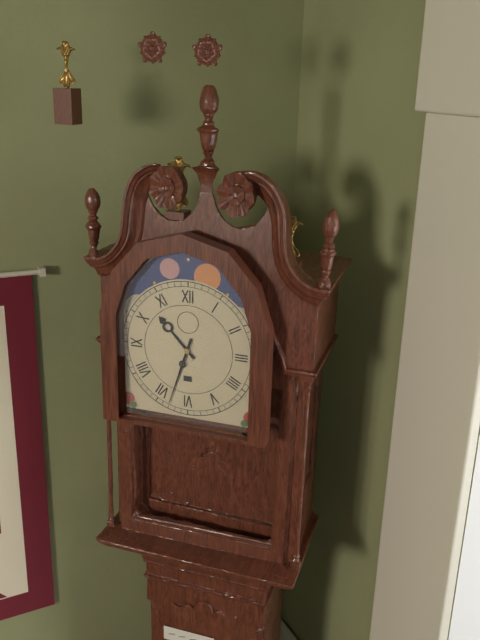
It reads 10h33
